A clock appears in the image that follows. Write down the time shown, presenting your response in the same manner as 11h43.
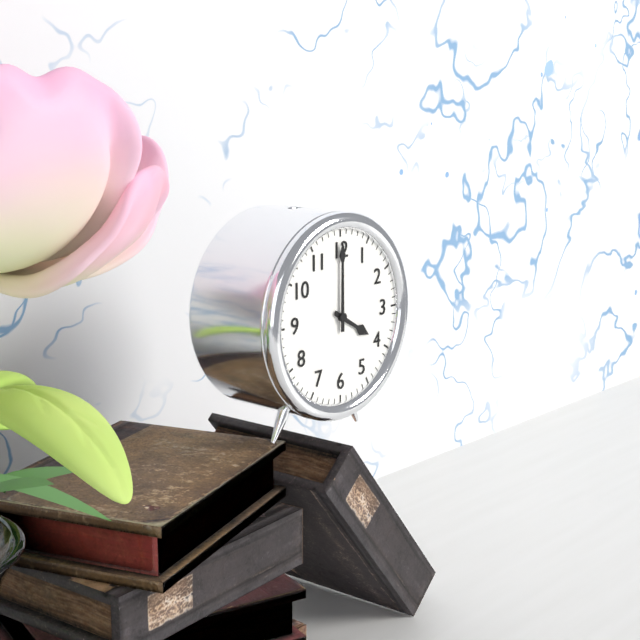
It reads 4h00
